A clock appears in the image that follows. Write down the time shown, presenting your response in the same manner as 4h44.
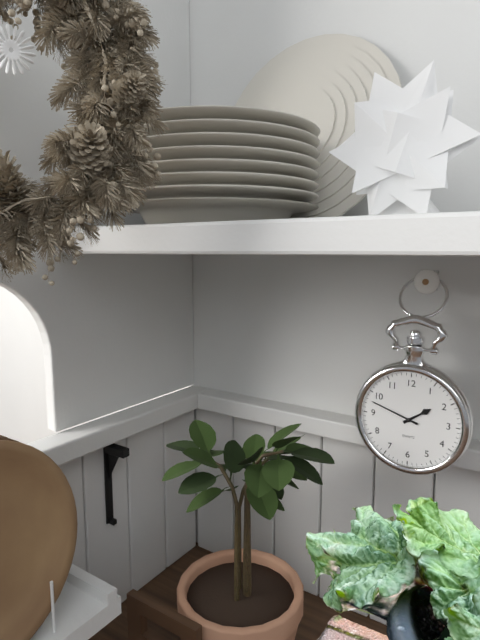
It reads 1h48
